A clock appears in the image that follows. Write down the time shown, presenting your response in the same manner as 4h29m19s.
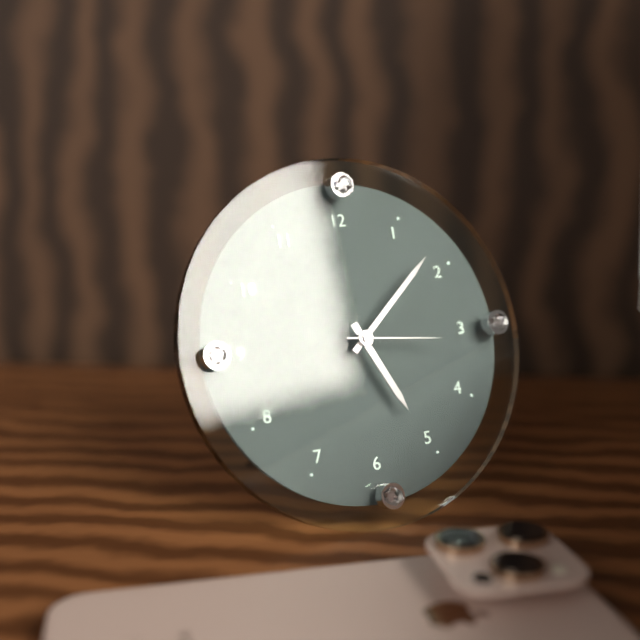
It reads 5h08m16s
